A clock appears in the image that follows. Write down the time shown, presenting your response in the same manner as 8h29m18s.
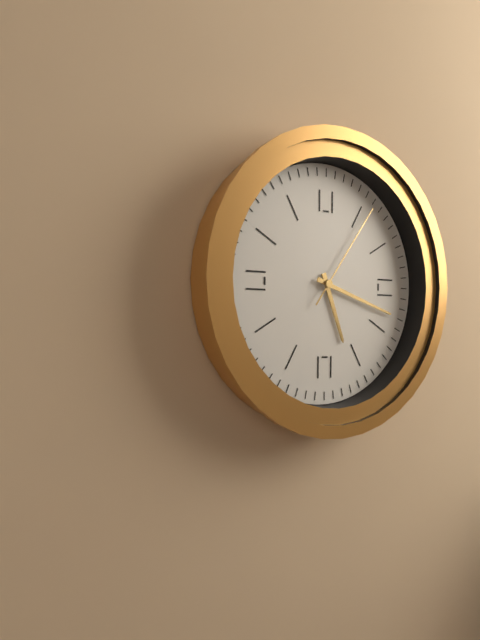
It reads 5h18m06s
